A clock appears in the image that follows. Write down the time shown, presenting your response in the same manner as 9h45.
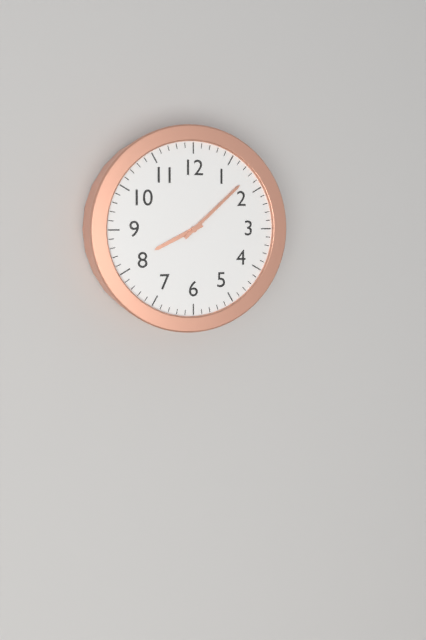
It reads 8h08
